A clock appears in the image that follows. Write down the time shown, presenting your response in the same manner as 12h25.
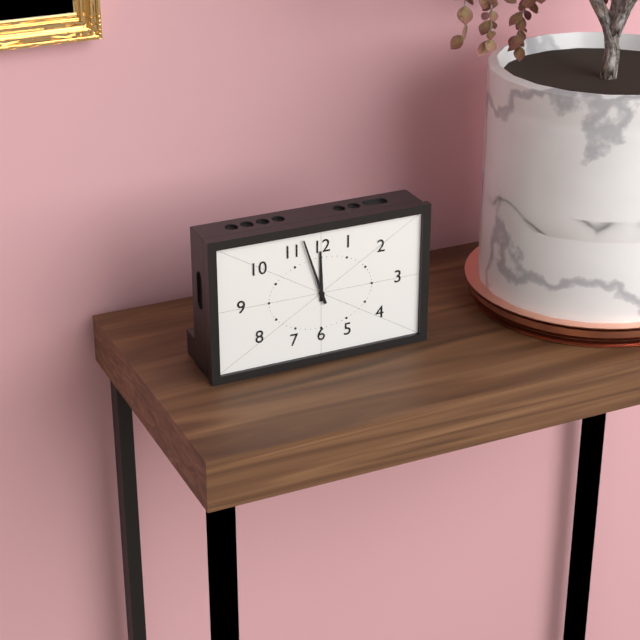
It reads 11h57
